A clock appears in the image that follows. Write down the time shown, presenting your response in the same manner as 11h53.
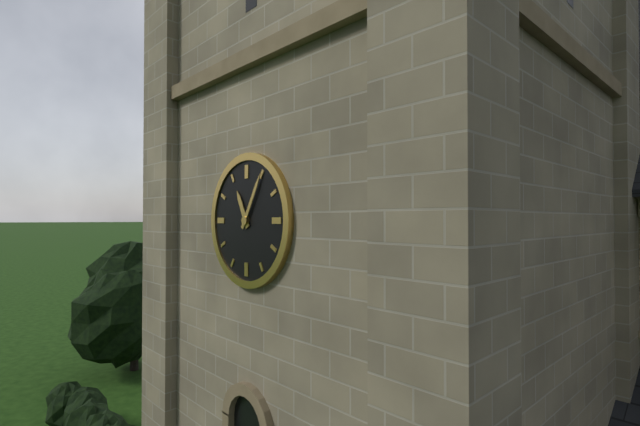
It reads 11h05
